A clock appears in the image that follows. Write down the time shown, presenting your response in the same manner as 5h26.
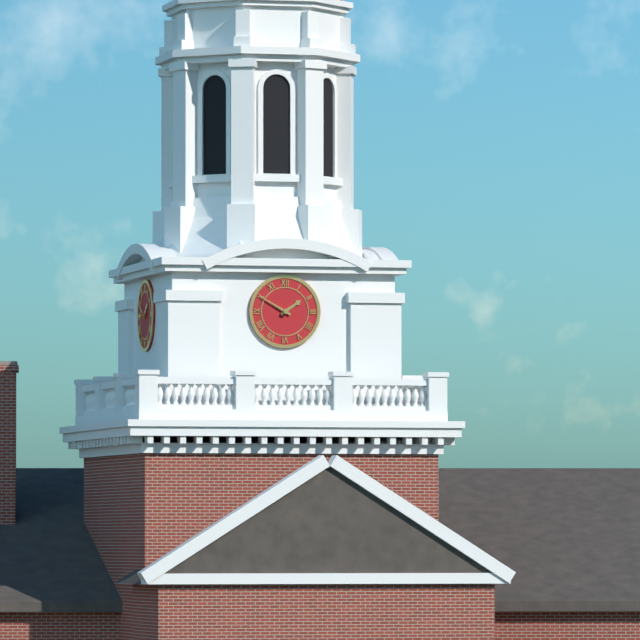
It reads 1h50
